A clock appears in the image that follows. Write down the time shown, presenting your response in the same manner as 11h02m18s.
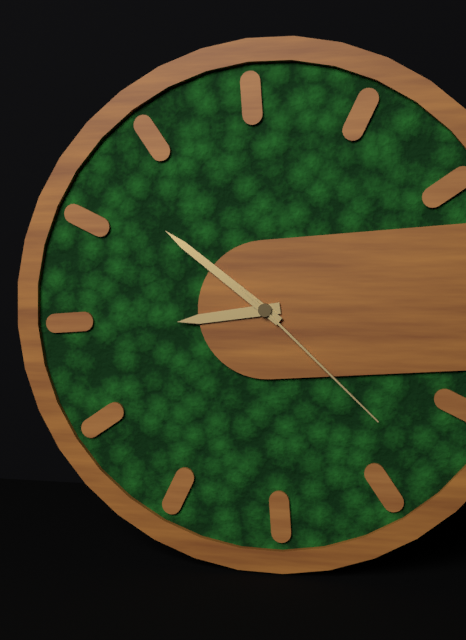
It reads 8h52m23s
